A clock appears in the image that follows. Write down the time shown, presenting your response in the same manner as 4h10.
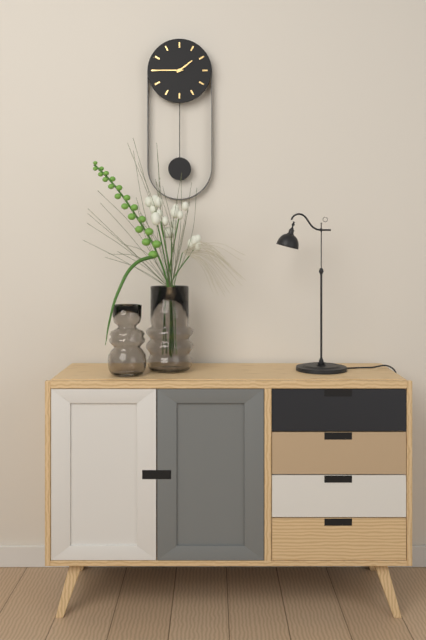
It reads 1h45
